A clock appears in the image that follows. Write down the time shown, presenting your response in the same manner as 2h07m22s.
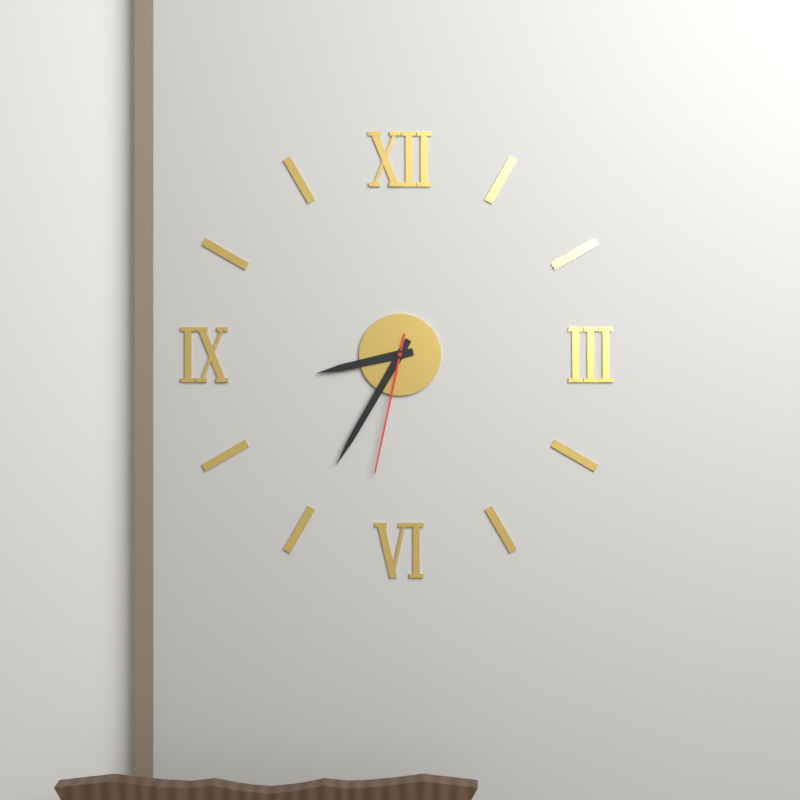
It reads 8h35m32s
